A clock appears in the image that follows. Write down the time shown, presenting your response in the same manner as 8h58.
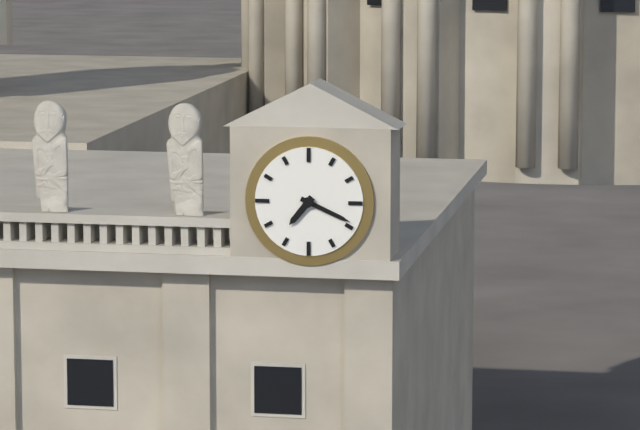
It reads 7h19
